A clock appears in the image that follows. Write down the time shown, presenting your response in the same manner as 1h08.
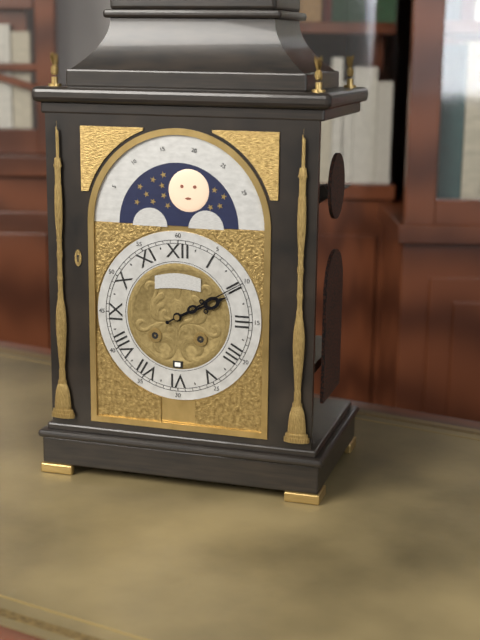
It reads 2h10
